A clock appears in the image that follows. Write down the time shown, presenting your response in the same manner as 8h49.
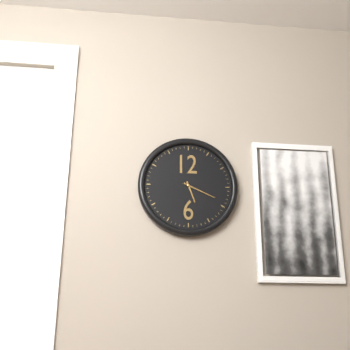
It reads 5h19
